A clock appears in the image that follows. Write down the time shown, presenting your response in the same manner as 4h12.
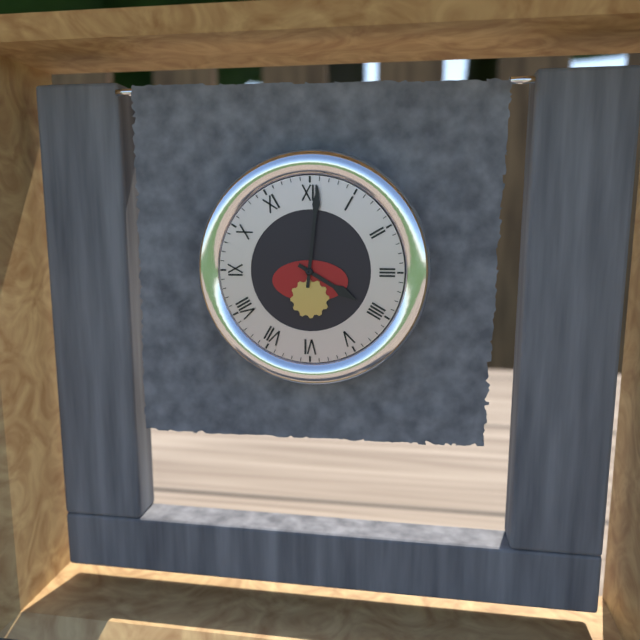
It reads 4h01
